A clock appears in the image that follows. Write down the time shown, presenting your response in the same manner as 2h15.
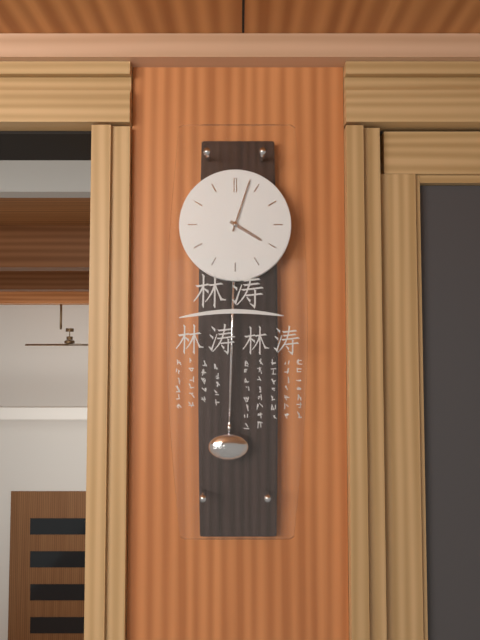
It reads 4h03
